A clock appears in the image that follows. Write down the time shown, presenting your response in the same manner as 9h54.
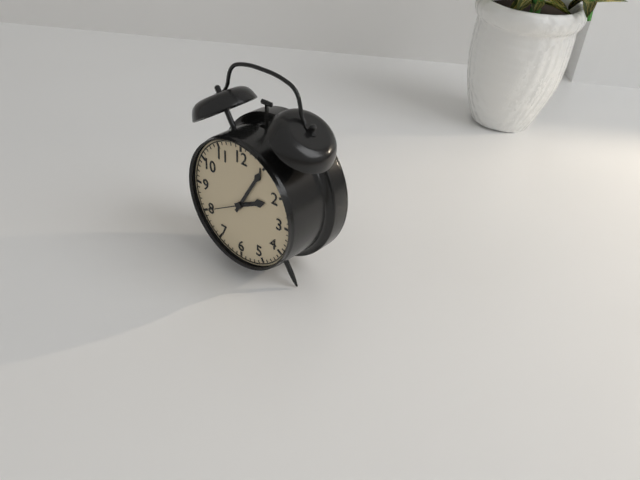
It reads 2h05
